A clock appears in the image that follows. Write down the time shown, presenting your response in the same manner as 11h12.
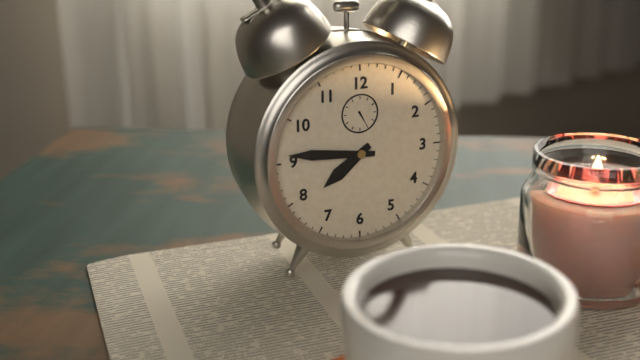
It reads 7h46
